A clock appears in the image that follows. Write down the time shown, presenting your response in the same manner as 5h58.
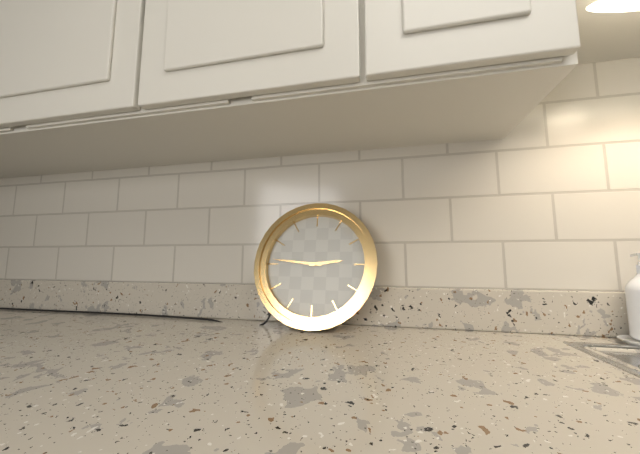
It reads 2h46
